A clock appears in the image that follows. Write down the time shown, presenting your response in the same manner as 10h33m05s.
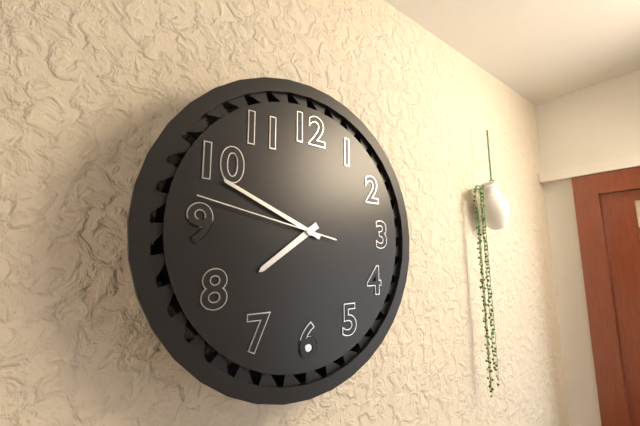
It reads 7h49m47s
